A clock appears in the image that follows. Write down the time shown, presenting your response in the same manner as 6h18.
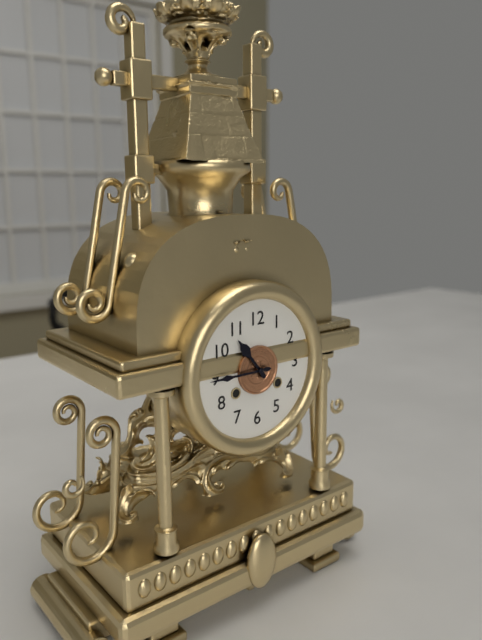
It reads 10h45
